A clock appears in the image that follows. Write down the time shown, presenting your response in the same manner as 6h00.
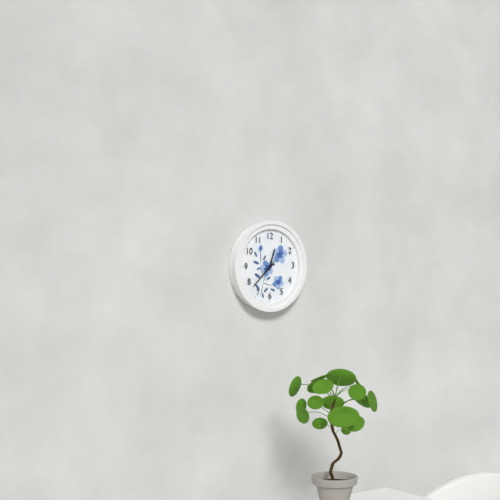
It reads 12h38
